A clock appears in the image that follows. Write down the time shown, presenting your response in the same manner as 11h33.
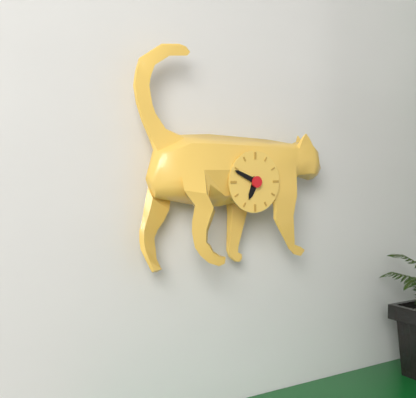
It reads 6h49
